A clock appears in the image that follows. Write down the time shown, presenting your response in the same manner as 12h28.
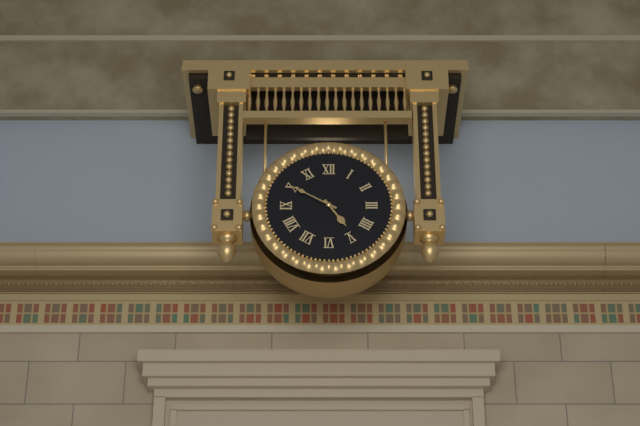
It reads 4h50
